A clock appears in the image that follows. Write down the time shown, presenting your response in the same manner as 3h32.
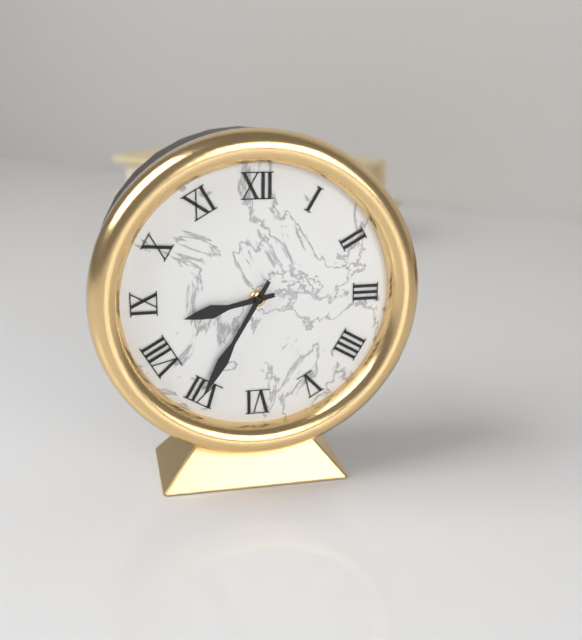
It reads 8h35
